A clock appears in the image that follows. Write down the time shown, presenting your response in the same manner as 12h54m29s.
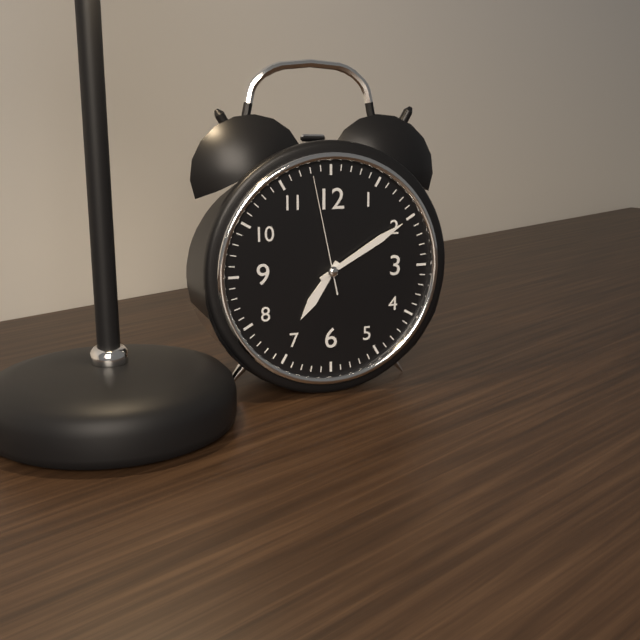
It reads 7h10m58s
